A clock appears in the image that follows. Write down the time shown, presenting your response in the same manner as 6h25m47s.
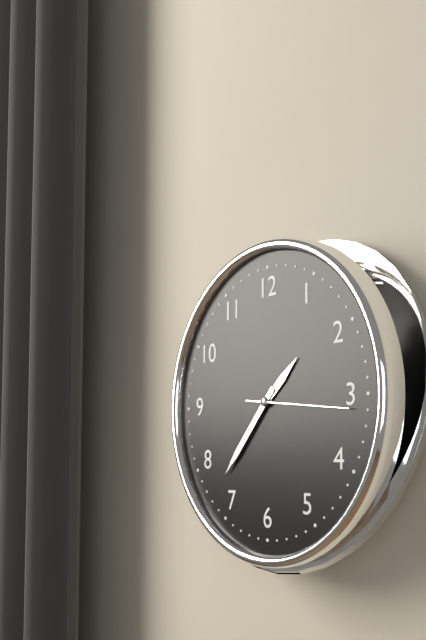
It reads 1h37m16s
